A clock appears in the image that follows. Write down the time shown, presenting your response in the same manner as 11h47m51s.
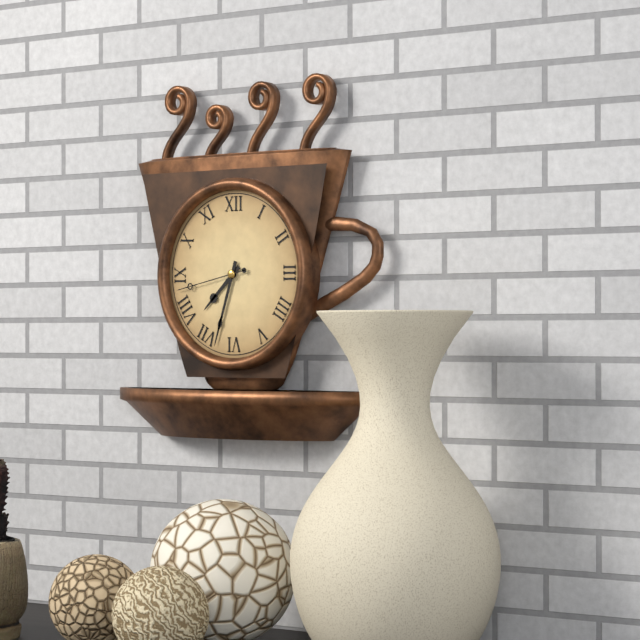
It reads 7h33m43s
